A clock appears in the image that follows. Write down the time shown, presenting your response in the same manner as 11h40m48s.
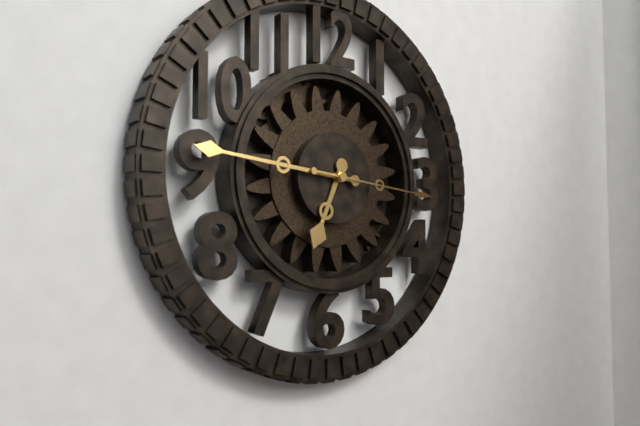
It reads 6h46m16s
